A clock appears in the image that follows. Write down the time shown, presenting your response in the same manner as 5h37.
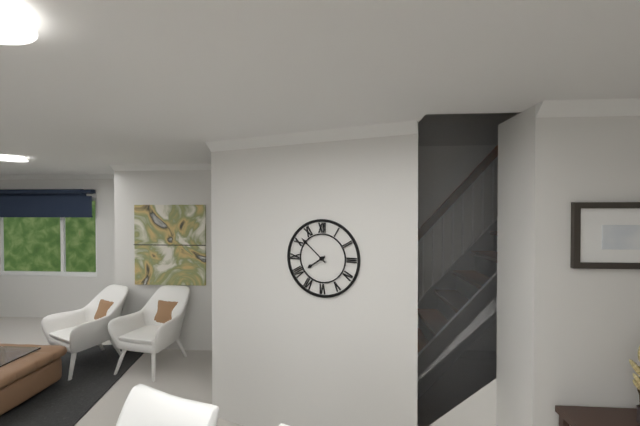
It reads 7h52
